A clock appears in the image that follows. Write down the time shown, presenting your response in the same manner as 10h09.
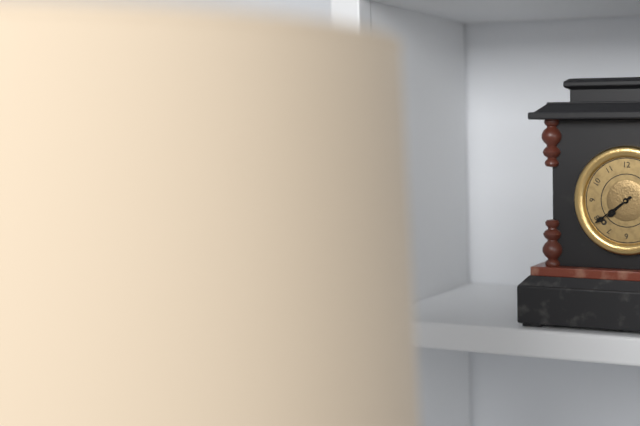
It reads 7h39
